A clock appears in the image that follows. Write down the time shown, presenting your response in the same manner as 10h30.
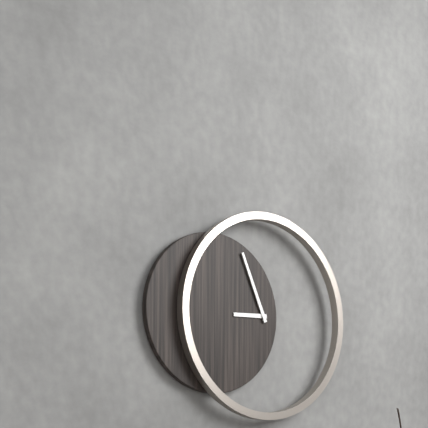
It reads 8h56
